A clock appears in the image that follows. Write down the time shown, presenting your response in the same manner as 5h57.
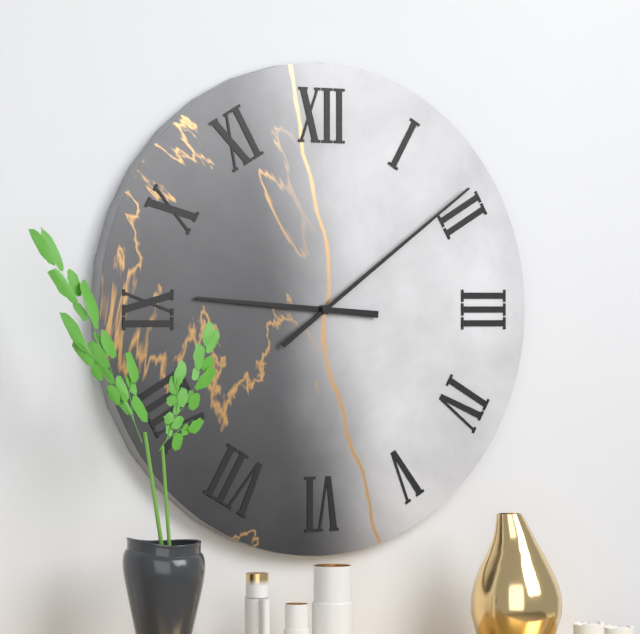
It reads 9h09
